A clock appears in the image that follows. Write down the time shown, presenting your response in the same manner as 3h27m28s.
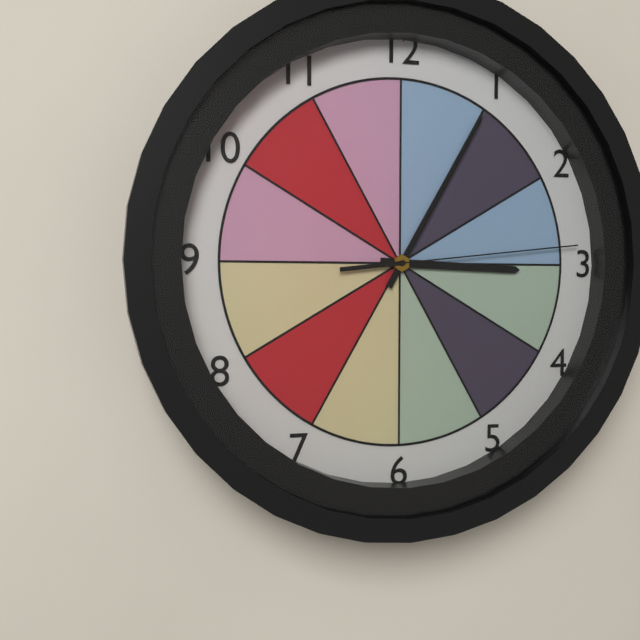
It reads 3h05m14s
